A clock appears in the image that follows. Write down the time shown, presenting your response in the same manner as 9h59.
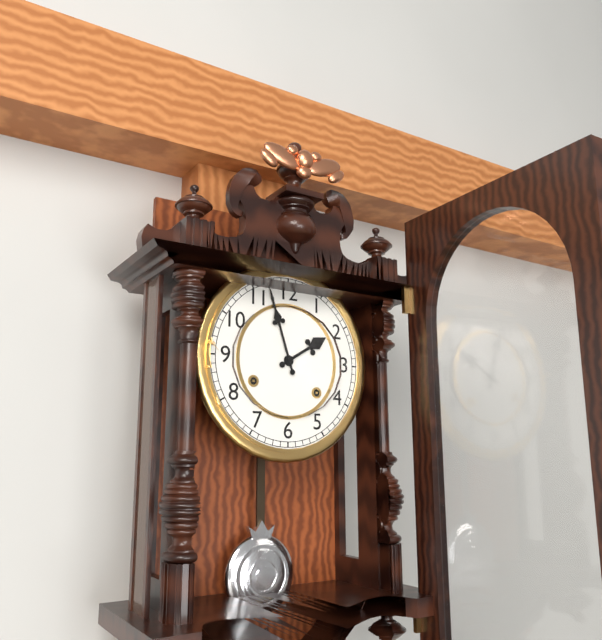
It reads 1h57
